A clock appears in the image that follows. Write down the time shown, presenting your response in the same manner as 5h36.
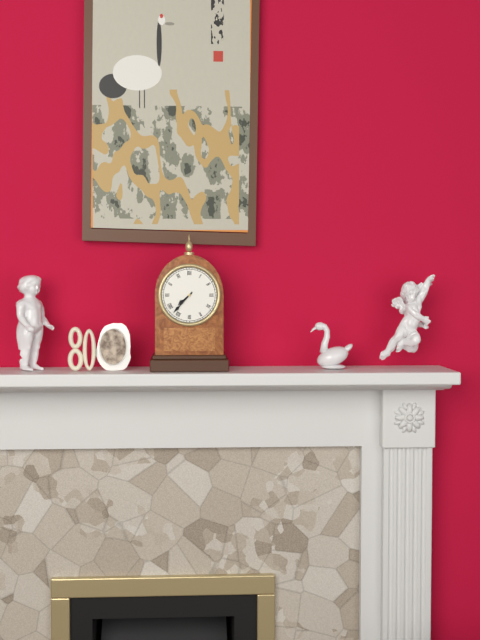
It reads 7h37
